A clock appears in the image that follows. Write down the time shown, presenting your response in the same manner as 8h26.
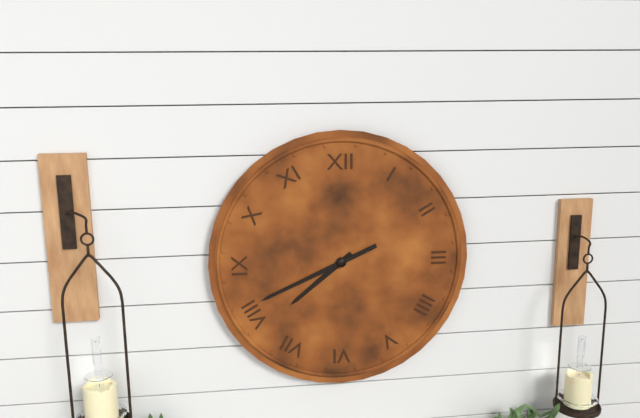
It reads 7h41
